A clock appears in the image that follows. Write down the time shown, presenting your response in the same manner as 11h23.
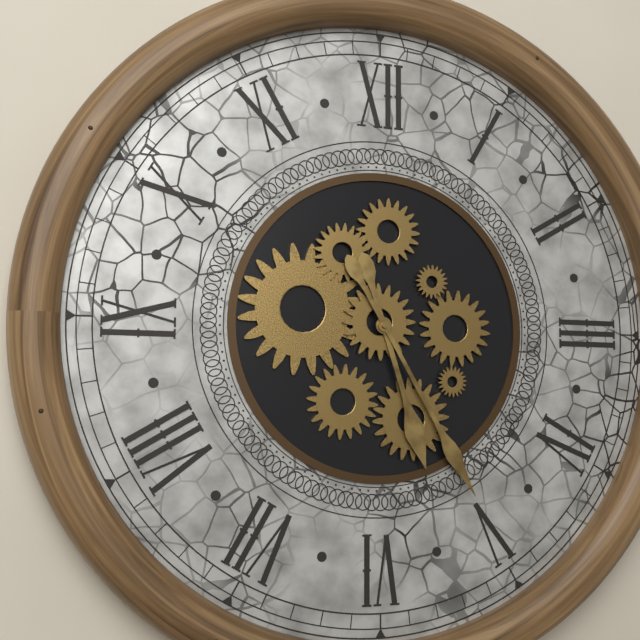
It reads 5h25
